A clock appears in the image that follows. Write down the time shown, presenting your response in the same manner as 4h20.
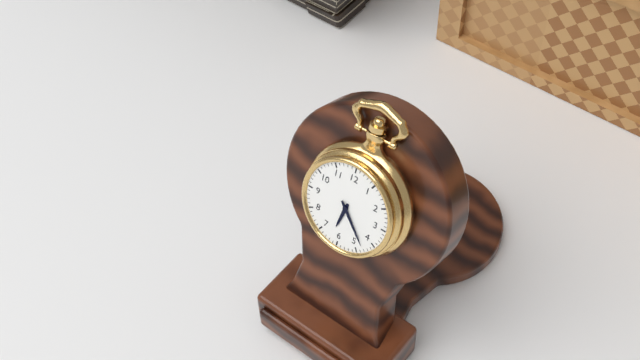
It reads 6h23
